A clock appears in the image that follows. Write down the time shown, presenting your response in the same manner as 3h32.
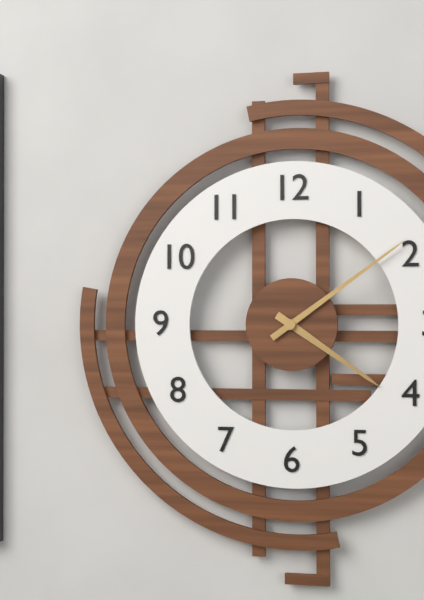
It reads 4h09
